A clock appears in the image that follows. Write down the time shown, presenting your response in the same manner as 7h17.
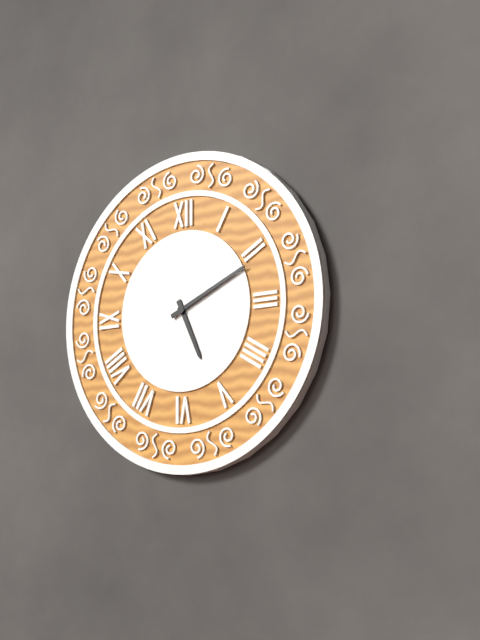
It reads 5h11
